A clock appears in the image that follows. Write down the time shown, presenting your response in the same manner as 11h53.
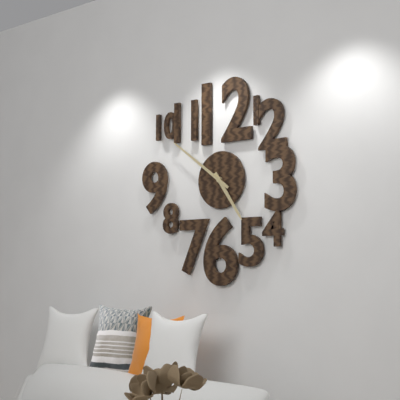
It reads 4h51
